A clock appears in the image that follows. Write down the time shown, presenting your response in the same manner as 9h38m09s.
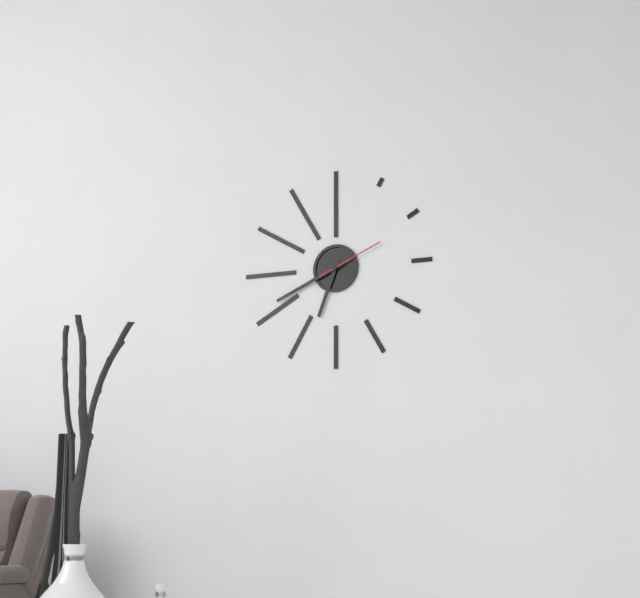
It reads 6h41m11s
